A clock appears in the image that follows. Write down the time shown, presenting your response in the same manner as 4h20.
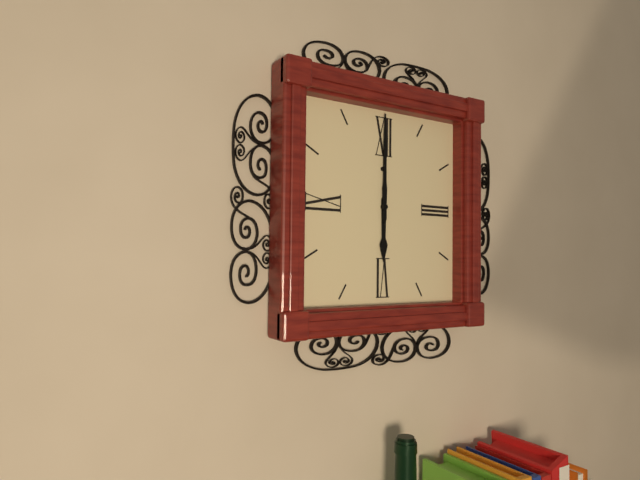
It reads 6h00
